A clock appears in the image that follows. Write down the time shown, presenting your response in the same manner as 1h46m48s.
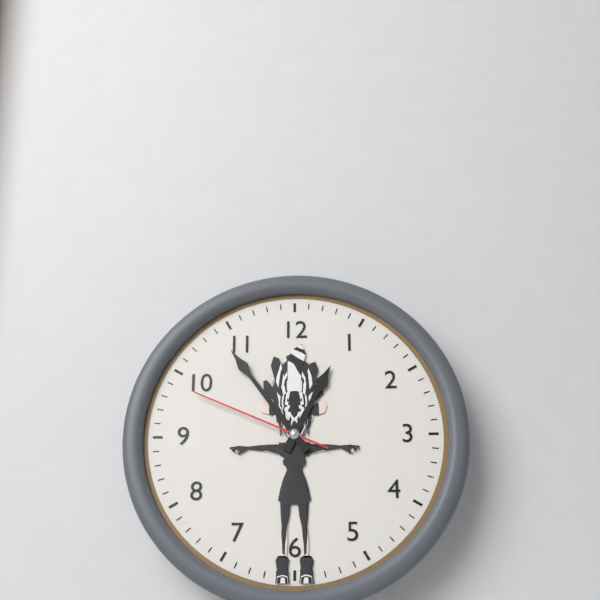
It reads 12h54m49s
